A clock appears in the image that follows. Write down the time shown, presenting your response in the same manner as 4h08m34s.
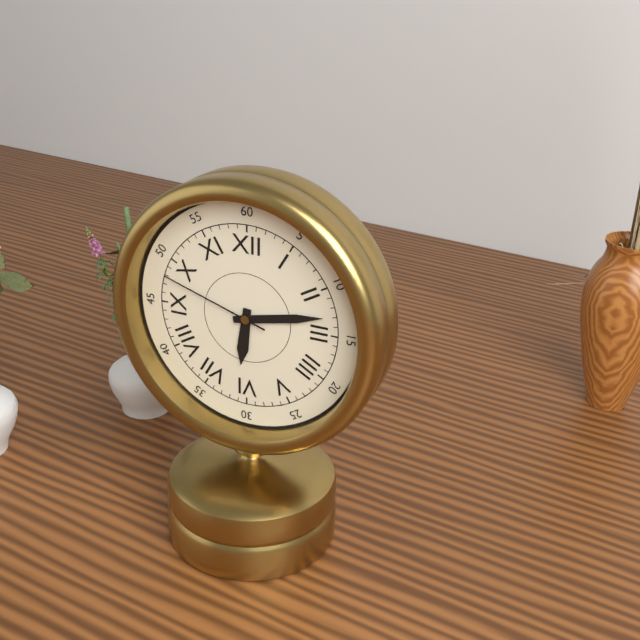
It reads 6h13m48s
